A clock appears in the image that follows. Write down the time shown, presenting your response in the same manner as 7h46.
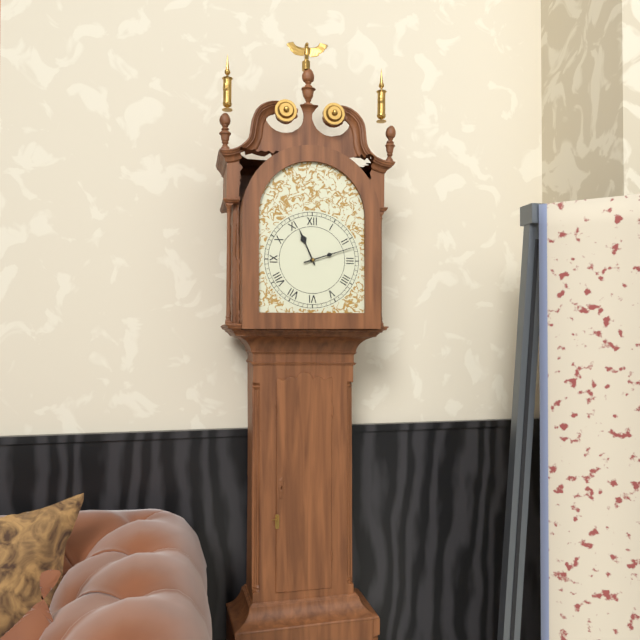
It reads 11h12
